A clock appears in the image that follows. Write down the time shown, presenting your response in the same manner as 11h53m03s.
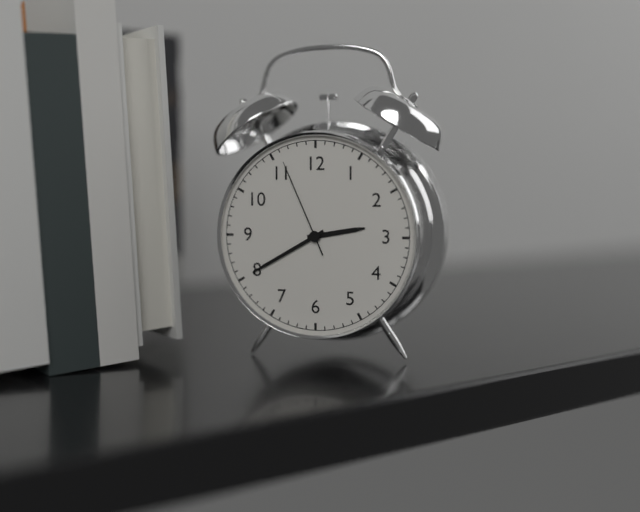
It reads 2h40m56s
